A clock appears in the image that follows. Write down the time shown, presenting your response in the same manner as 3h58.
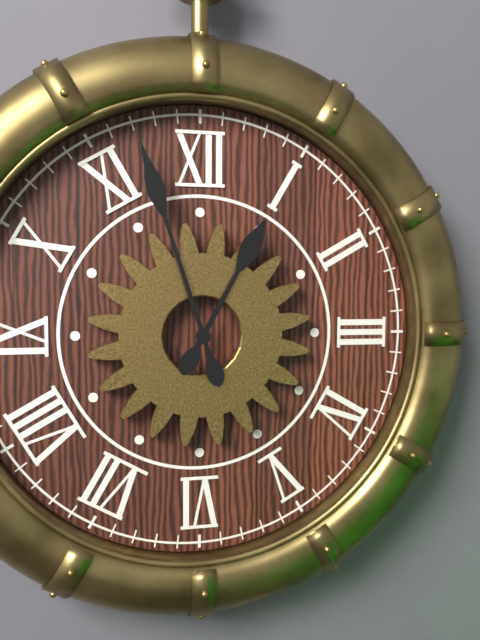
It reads 12h57
